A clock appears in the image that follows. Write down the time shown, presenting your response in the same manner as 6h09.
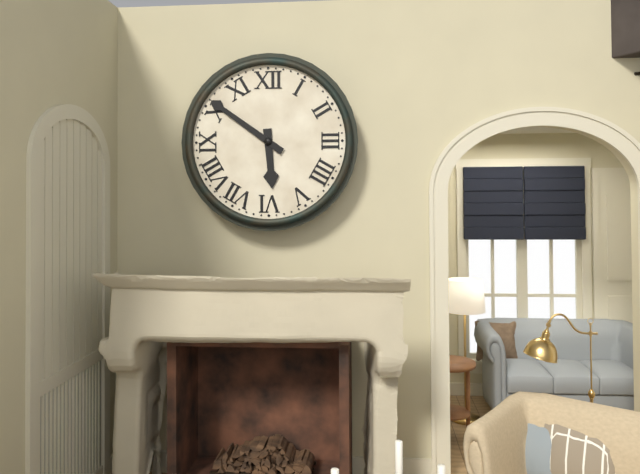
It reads 5h51
